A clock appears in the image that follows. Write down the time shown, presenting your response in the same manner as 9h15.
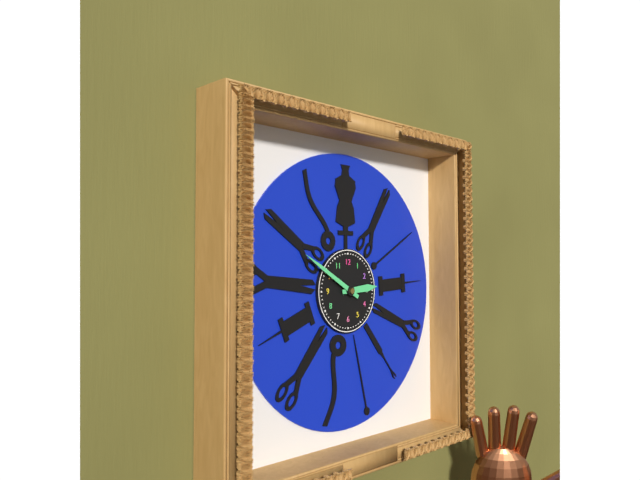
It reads 2h50
